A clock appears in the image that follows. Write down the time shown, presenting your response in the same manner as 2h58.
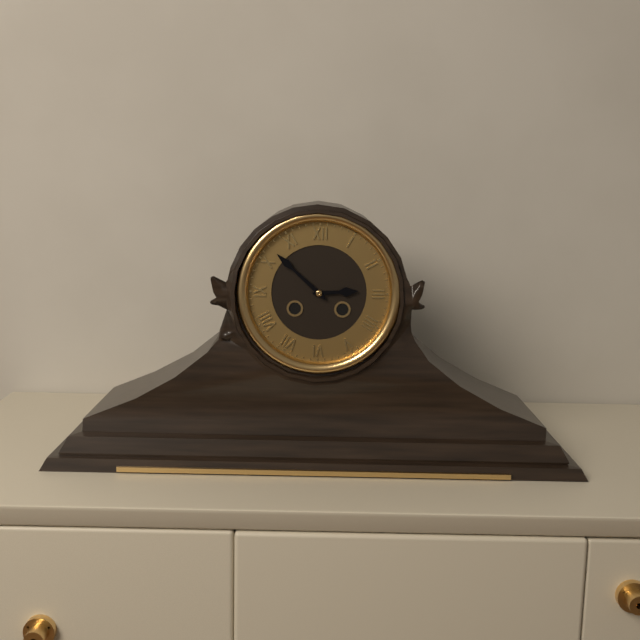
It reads 2h52
